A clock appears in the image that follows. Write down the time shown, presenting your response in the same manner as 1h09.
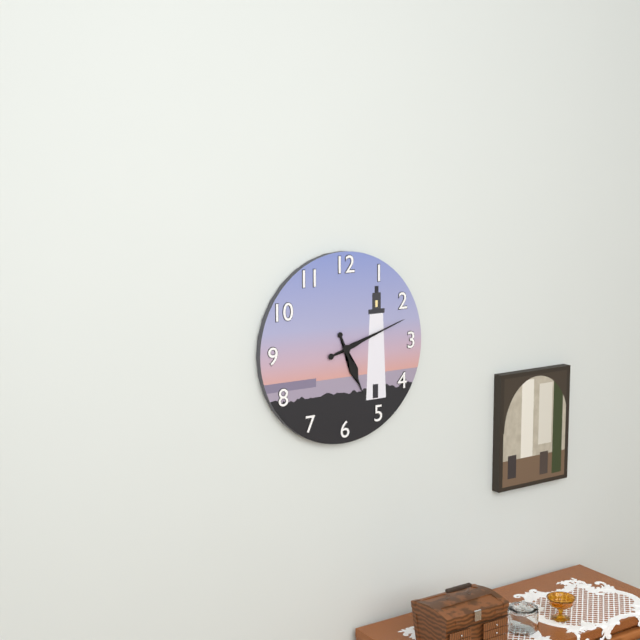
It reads 5h12
